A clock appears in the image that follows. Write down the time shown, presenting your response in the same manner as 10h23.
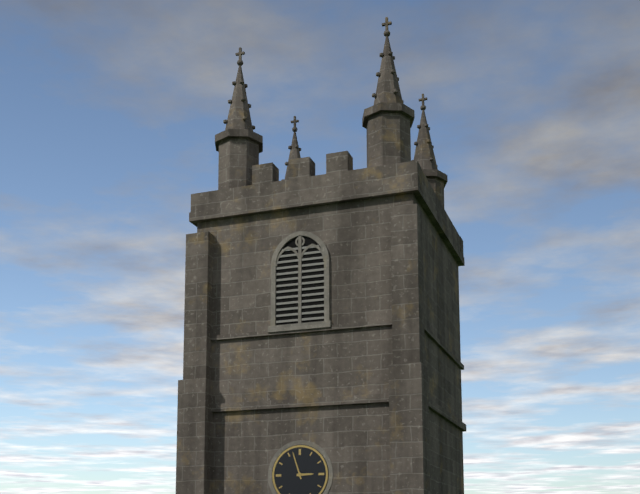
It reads 2h57
